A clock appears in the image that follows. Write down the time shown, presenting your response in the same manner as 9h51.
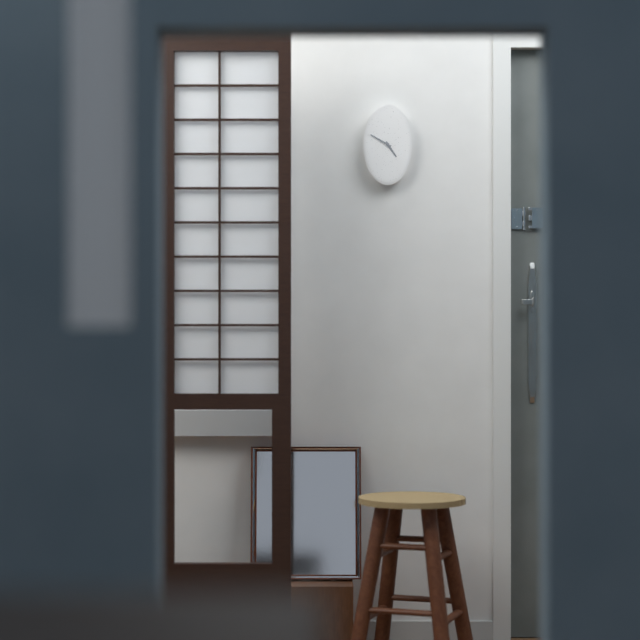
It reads 4h50
